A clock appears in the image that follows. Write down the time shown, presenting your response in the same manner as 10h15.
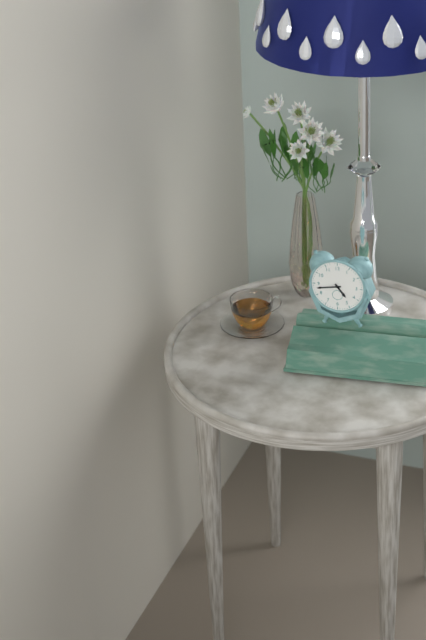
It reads 4h43
